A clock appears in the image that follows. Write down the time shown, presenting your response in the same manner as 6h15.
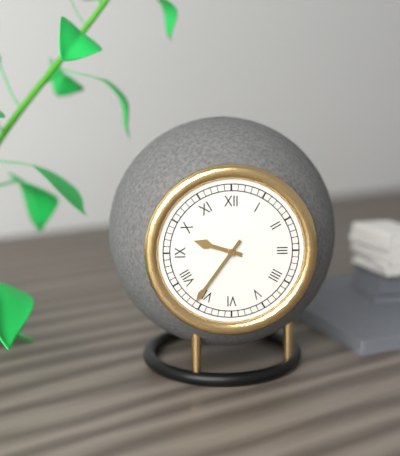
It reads 9h36
